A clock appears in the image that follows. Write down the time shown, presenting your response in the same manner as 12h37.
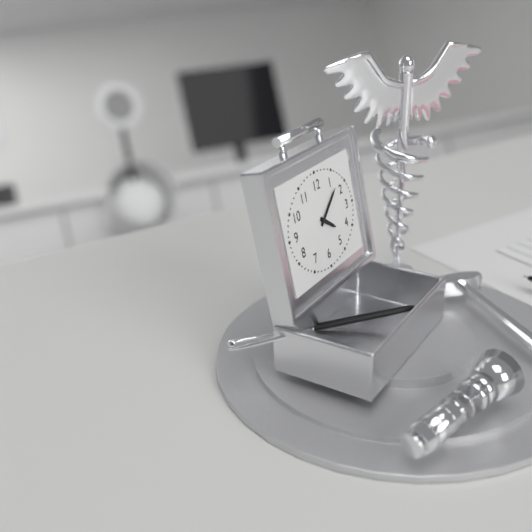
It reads 4h09
